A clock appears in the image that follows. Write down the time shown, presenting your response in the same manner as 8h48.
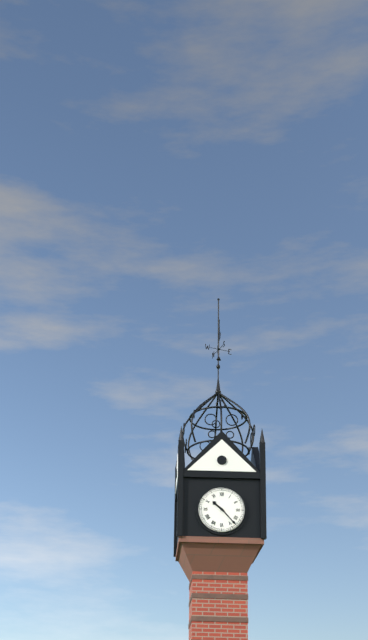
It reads 10h23
